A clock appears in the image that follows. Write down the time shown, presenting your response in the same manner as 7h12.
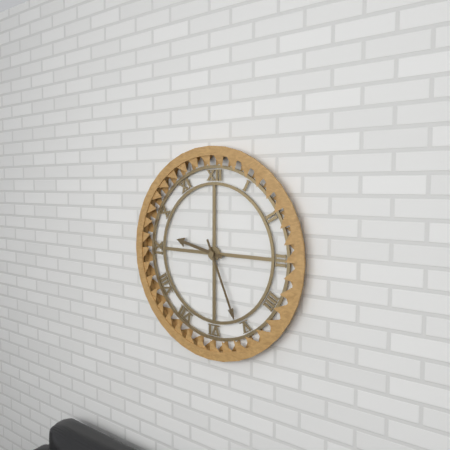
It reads 9h26
